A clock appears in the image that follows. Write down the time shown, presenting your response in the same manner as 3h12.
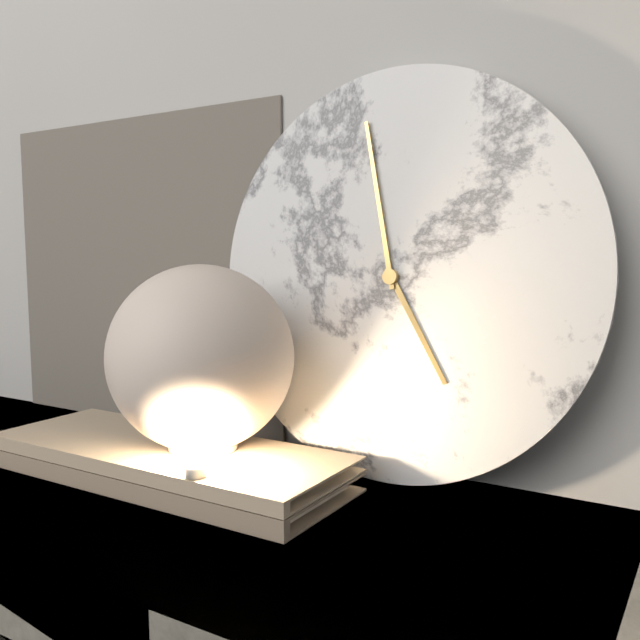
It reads 4h58
